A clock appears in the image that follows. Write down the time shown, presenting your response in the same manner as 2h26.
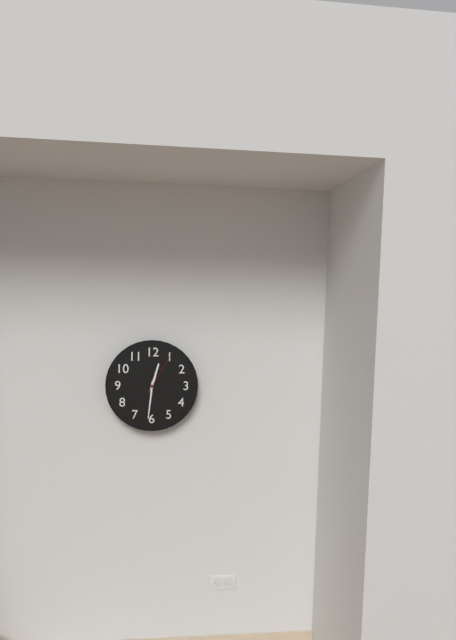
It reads 12h31
